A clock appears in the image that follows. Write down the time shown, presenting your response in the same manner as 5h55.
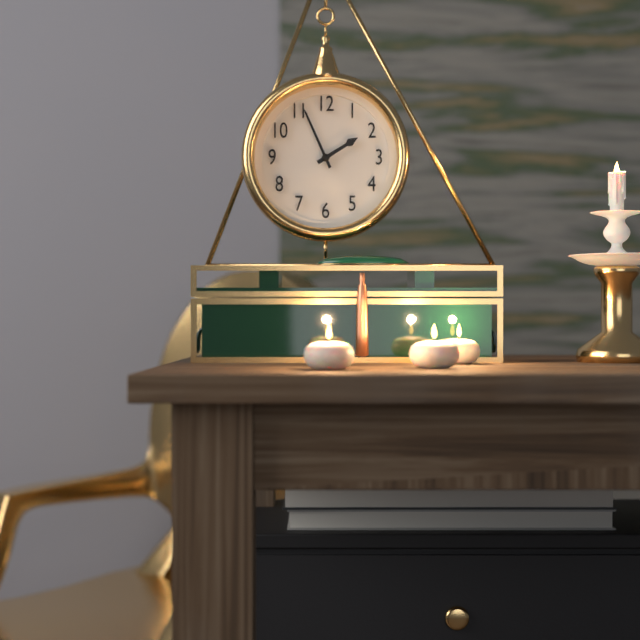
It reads 1h56
